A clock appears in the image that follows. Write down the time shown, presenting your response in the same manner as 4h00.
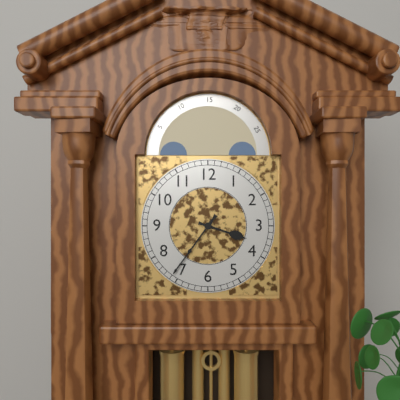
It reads 3h36
